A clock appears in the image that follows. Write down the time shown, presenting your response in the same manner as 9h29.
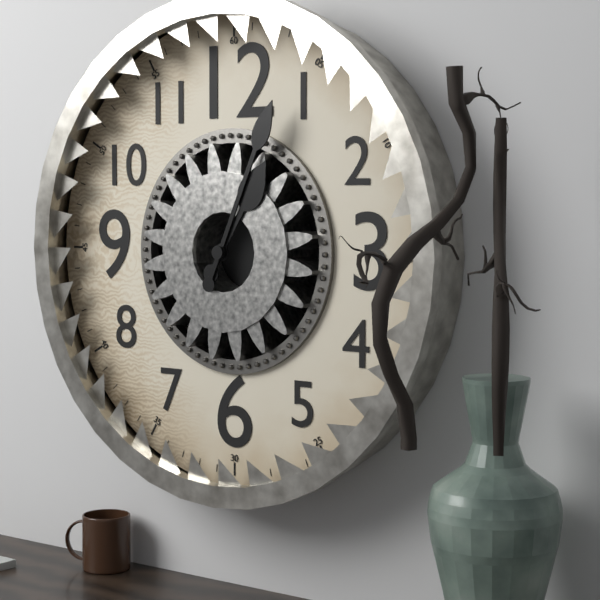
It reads 1h04
